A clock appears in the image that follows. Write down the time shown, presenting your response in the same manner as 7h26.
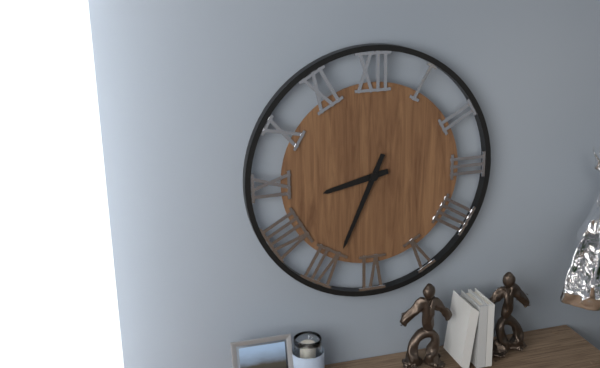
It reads 8h34
